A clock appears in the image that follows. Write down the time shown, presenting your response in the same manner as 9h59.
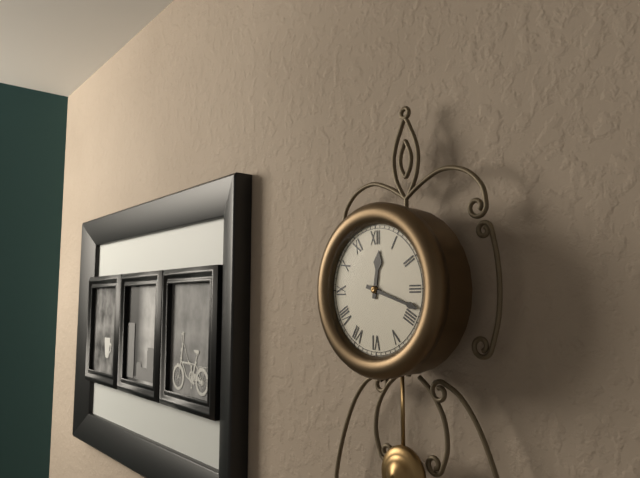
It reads 12h18
